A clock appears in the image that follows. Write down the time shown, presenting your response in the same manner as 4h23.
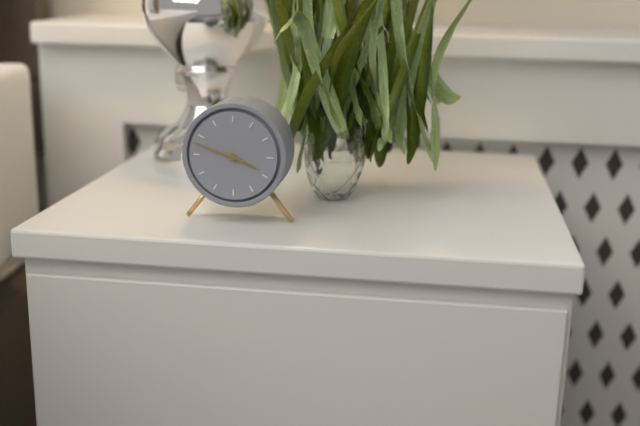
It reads 3h48
